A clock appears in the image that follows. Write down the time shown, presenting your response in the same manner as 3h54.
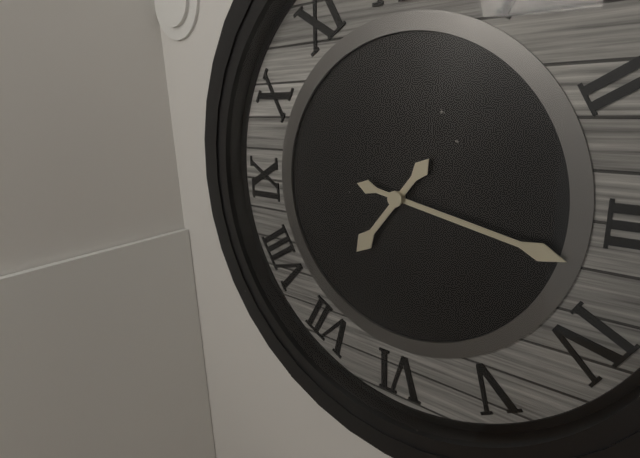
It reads 7h17
